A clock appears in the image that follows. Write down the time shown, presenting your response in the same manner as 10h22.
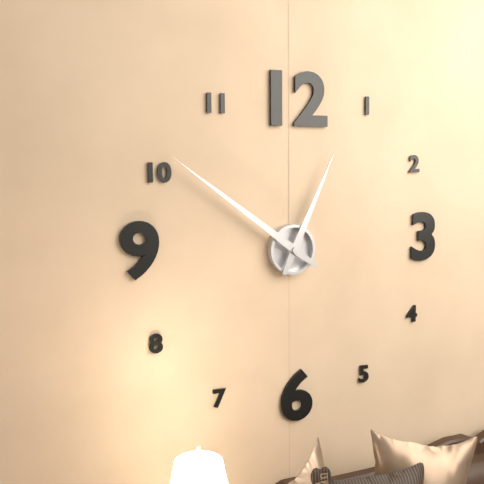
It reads 12h51
